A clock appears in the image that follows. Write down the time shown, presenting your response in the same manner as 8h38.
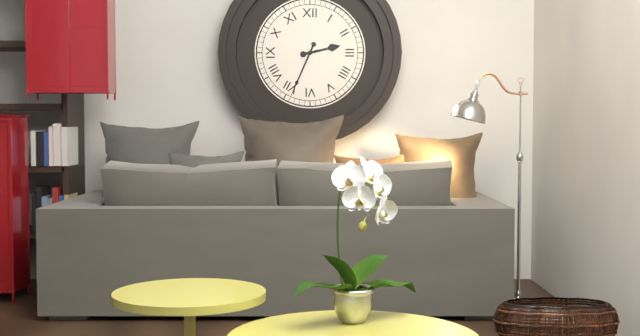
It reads 2h34
